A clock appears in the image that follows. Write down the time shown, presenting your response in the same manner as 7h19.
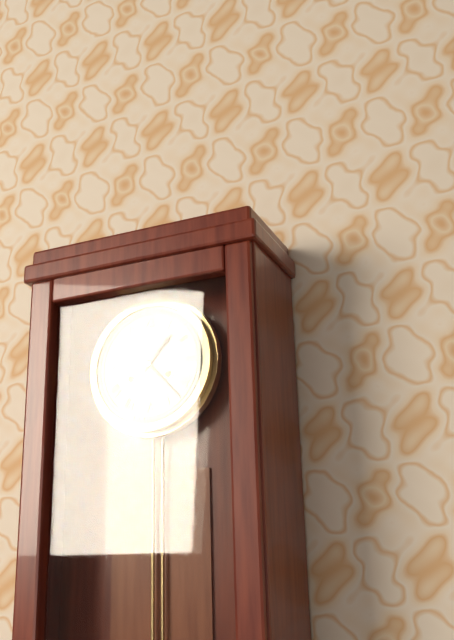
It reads 1h23
